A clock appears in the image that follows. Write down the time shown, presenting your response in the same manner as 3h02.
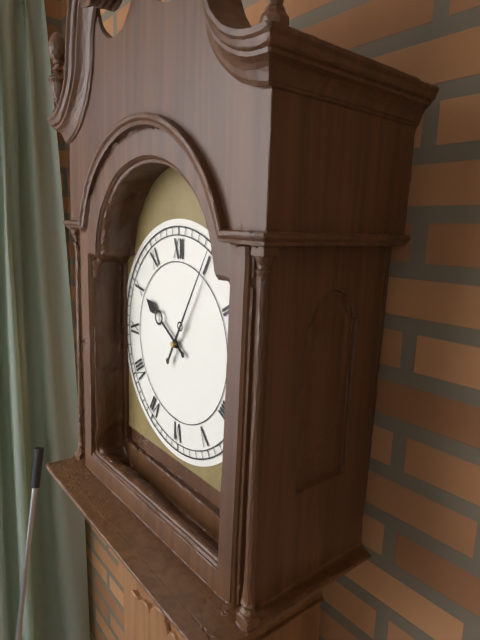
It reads 10h05
